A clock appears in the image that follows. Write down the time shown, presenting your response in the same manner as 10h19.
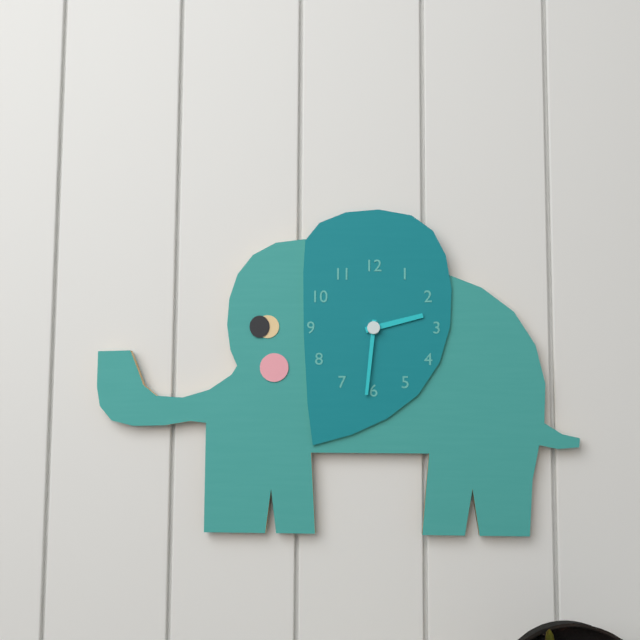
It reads 2h31
